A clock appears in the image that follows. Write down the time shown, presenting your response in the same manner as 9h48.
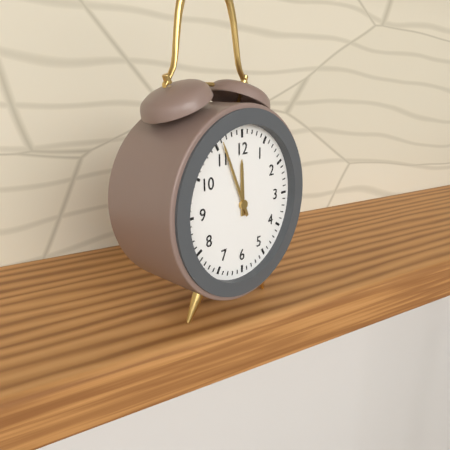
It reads 11h56
